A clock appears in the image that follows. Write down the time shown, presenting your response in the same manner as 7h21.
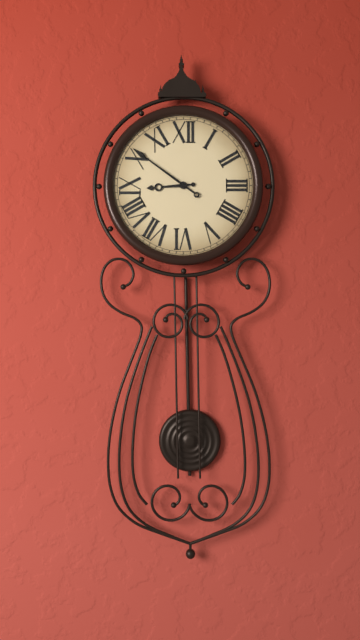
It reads 8h51
